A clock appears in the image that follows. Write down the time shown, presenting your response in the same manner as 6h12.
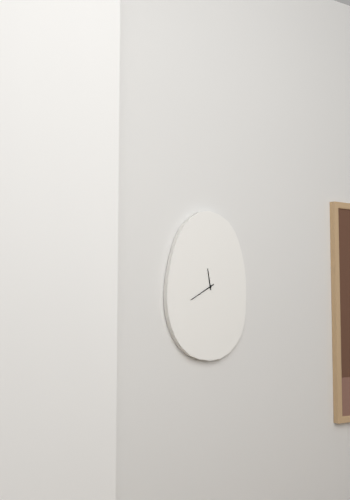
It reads 11h40
